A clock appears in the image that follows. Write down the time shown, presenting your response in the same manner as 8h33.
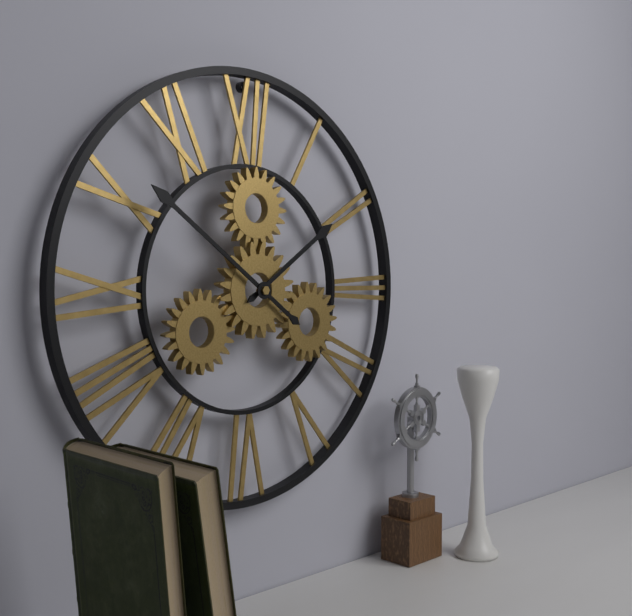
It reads 1h51
